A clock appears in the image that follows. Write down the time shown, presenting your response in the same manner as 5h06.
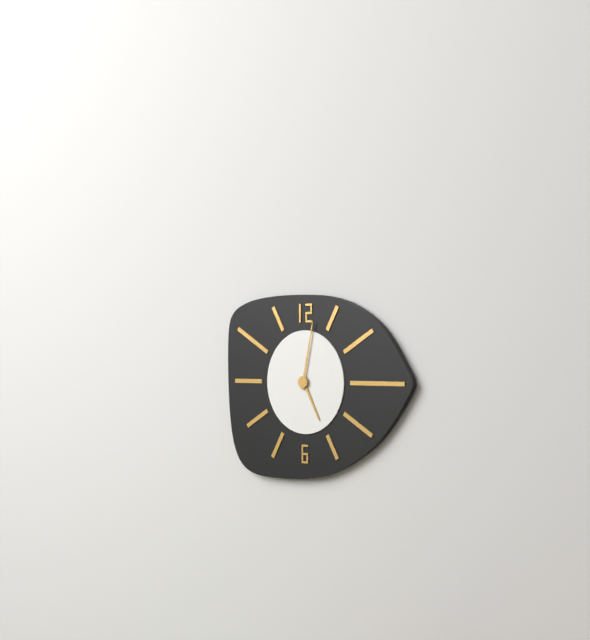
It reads 5h02
